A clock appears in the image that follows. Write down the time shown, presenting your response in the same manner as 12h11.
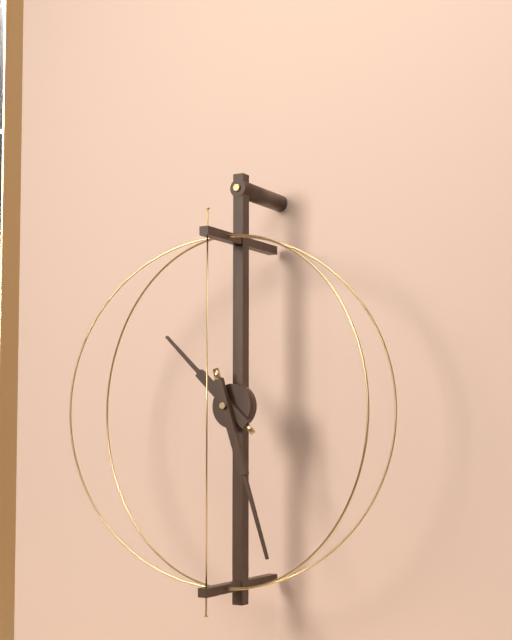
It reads 10h27
